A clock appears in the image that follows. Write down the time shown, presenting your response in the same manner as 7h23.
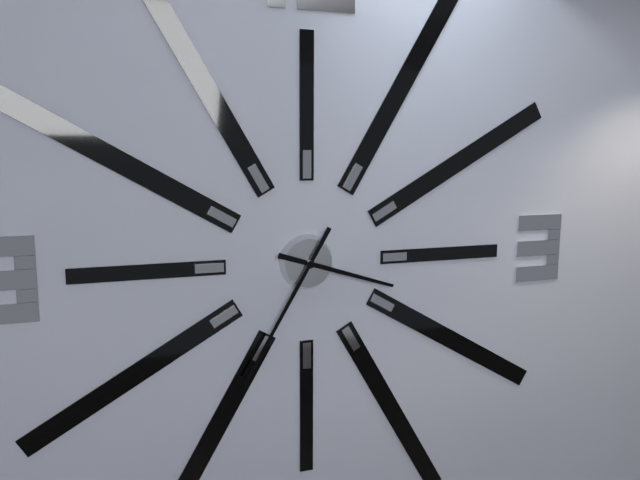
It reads 3h35
